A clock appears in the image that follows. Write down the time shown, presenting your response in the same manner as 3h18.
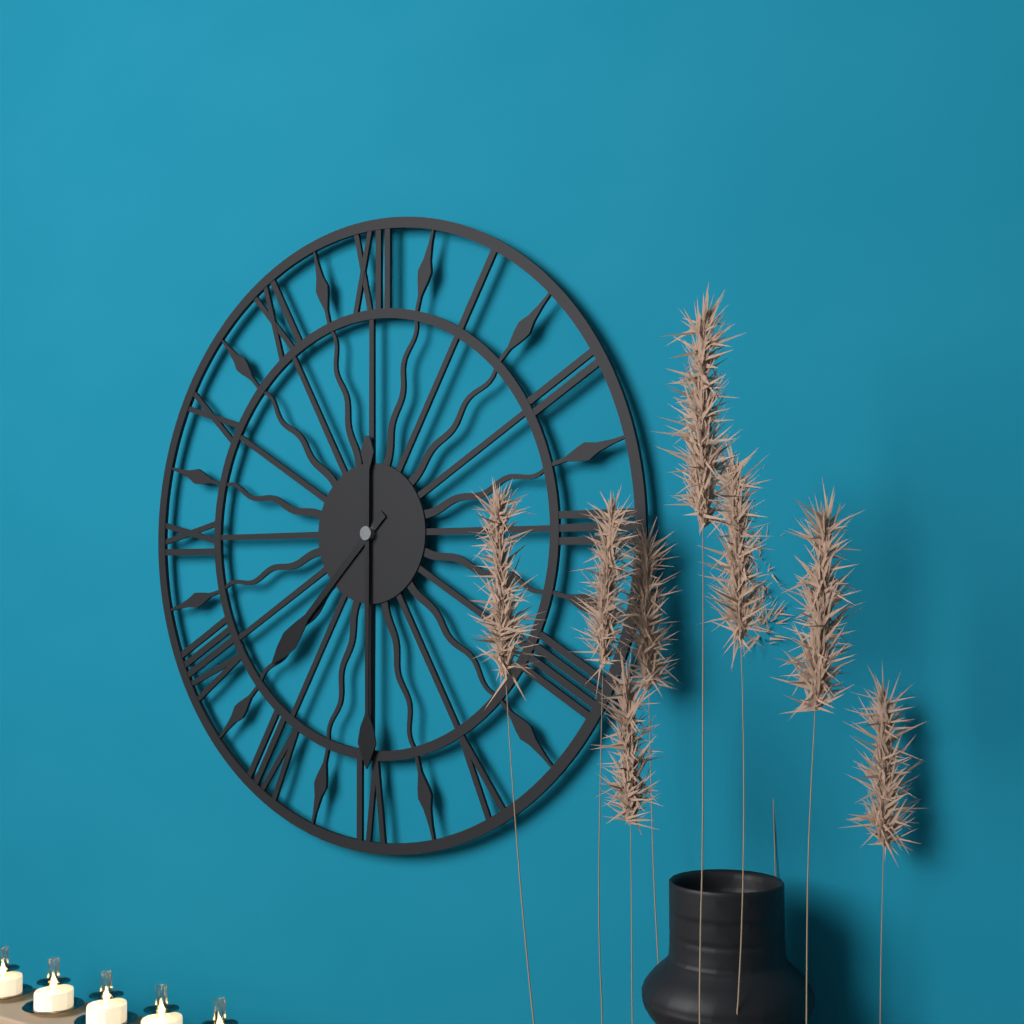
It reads 7h30
